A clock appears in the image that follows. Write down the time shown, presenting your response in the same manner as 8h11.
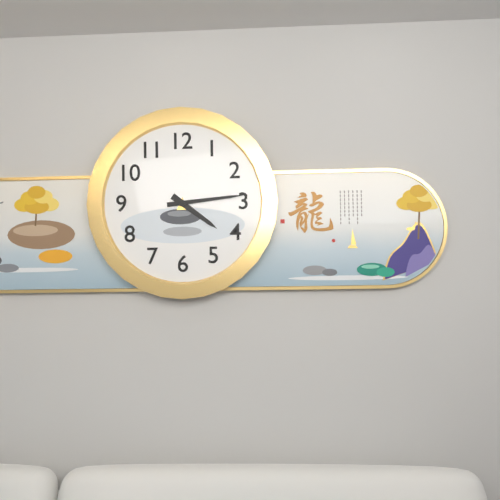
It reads 4h14
